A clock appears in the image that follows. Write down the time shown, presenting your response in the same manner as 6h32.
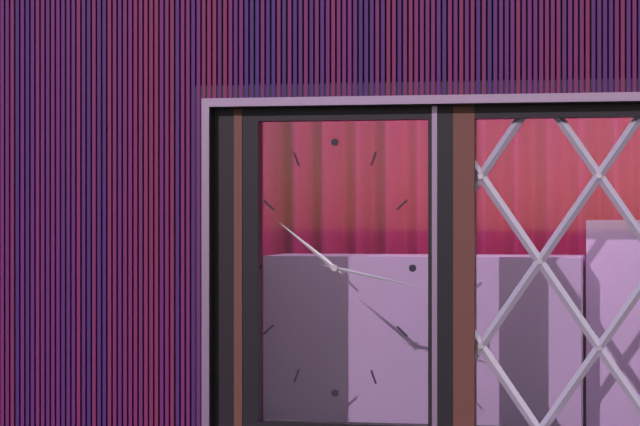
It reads 10h17
